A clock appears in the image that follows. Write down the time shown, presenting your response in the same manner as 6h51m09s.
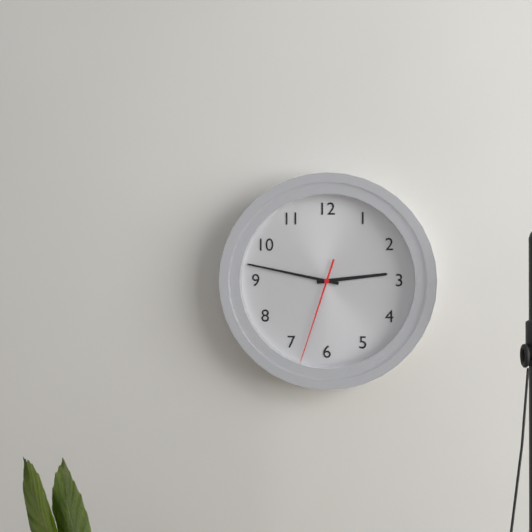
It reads 2h47m33s
